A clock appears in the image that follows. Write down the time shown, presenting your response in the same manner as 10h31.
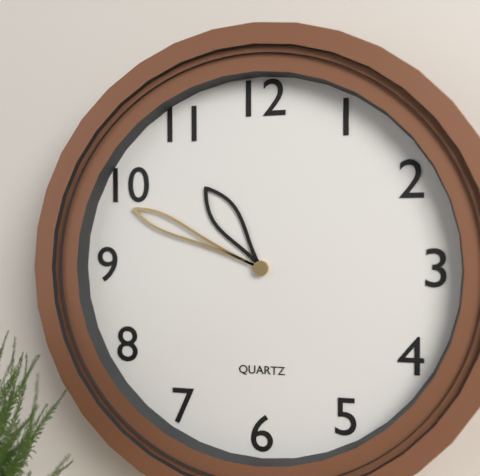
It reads 10h49
